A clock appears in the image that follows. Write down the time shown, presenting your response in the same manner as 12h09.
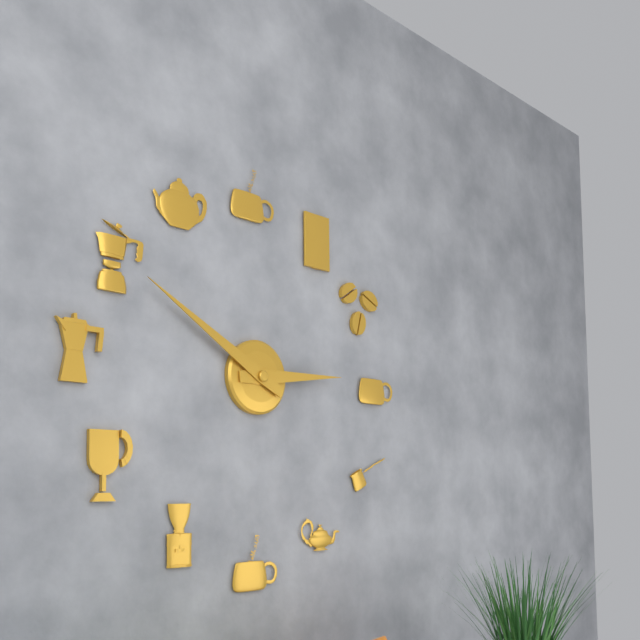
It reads 2h50
